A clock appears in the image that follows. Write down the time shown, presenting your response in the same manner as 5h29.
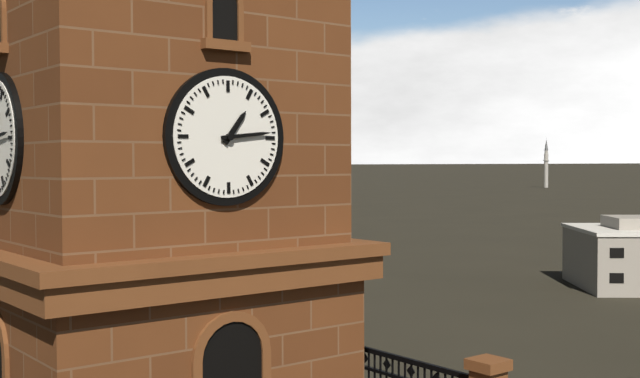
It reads 1h14
